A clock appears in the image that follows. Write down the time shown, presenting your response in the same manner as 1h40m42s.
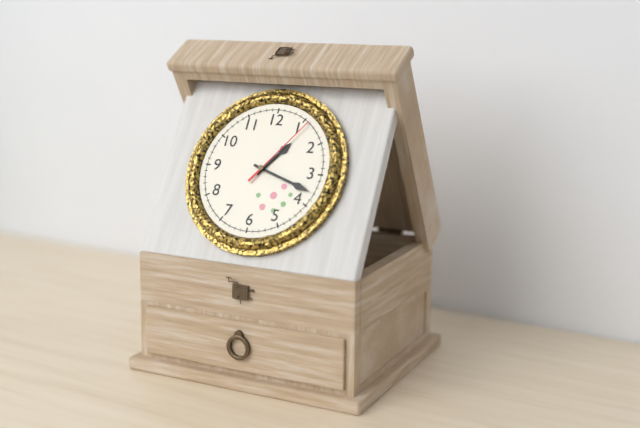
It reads 1h18m06s
